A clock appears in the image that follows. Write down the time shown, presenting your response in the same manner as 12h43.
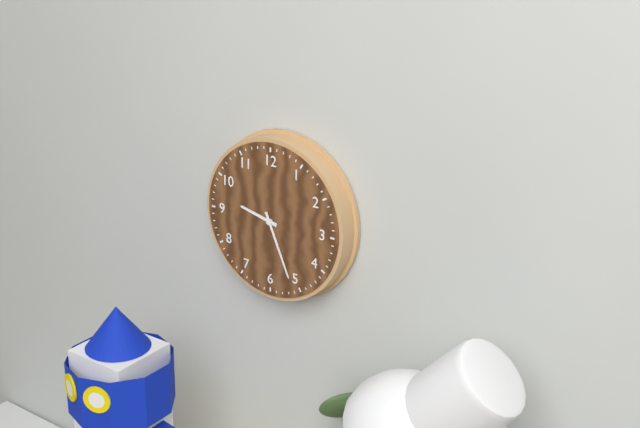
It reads 9h26
